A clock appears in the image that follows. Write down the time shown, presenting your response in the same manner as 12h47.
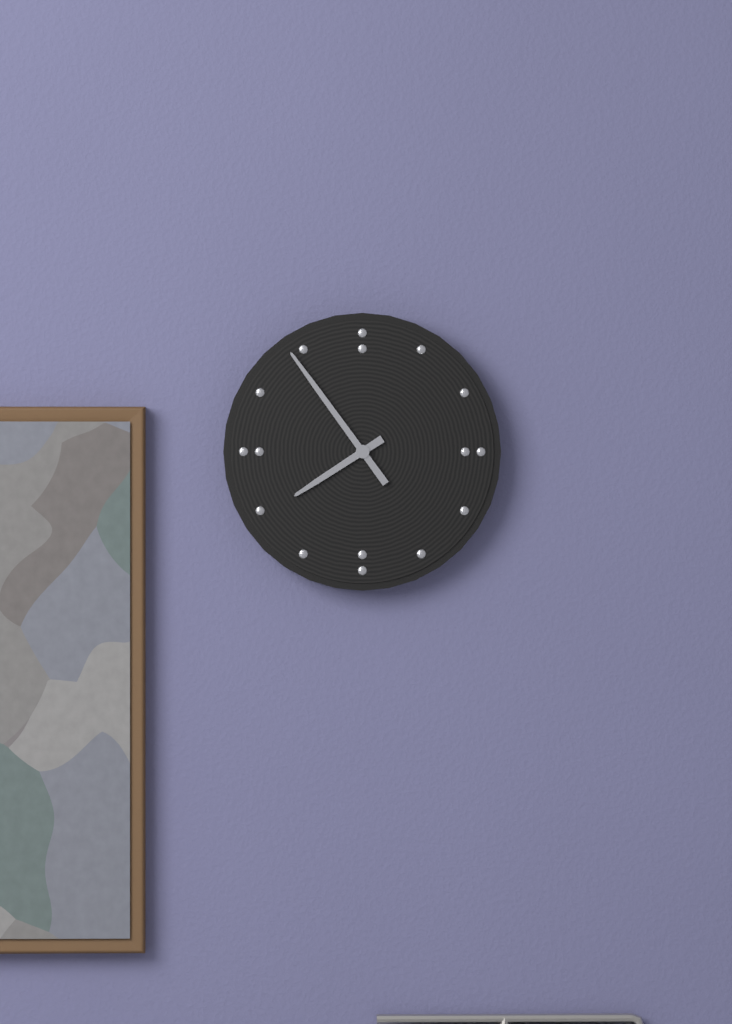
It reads 7h54
